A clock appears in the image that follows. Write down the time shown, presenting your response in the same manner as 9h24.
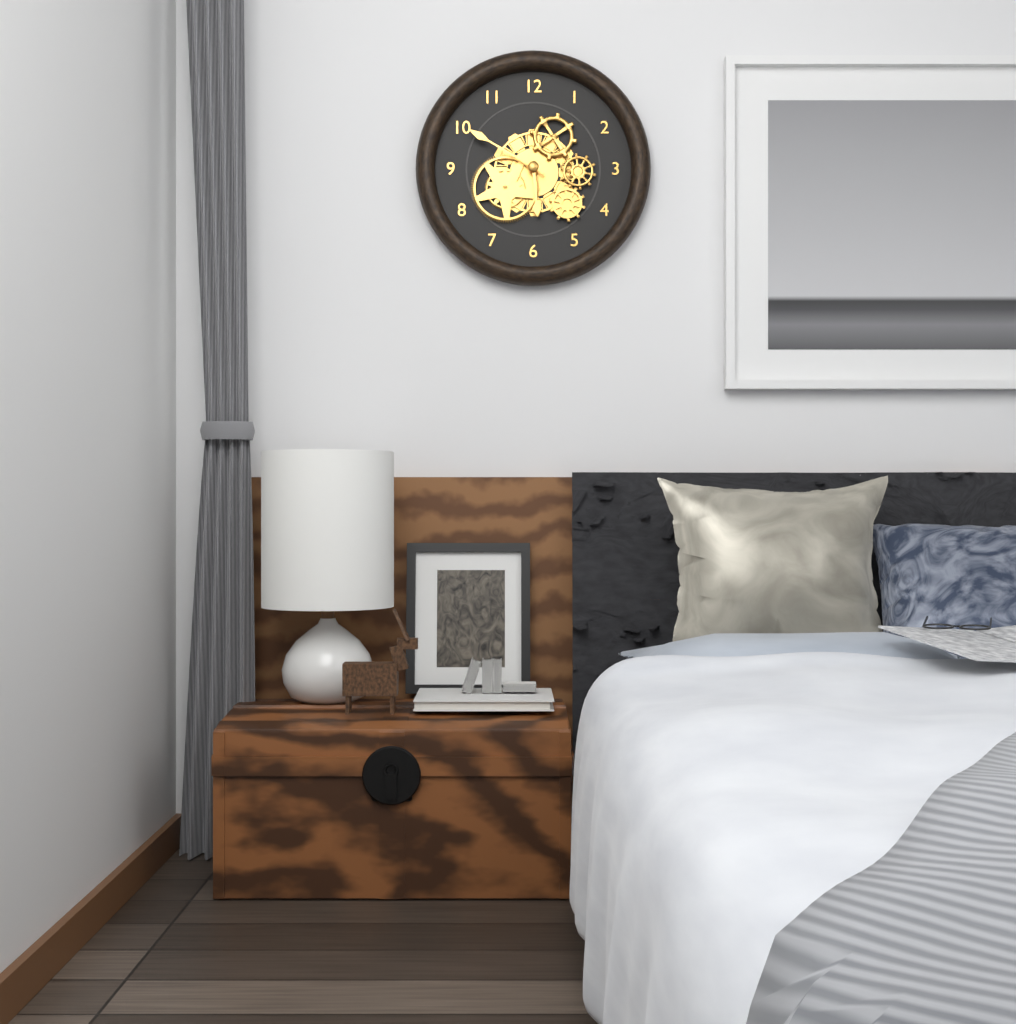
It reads 5h50
